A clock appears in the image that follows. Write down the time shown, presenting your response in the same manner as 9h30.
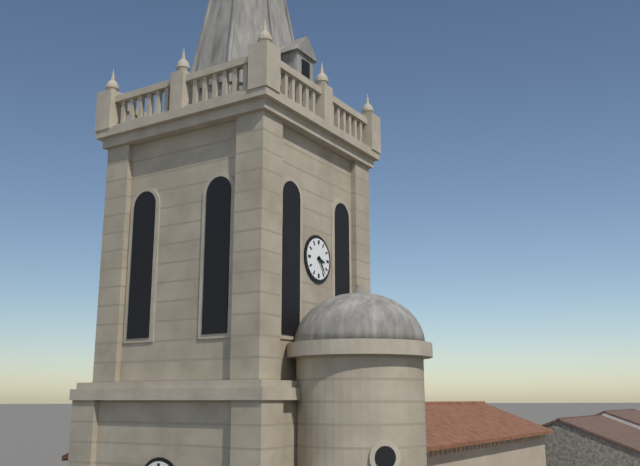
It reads 3h24
